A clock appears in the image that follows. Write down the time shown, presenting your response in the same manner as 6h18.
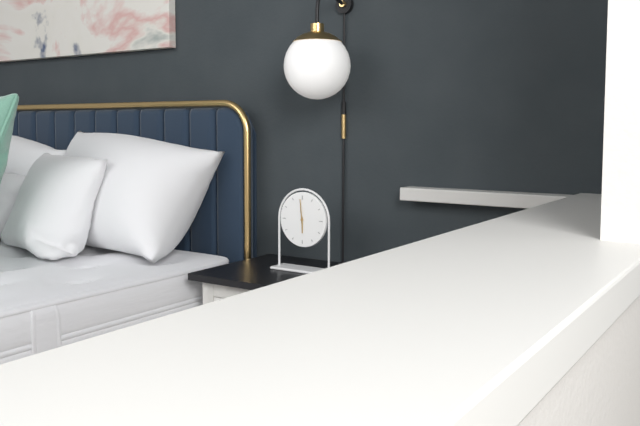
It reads 5h59
